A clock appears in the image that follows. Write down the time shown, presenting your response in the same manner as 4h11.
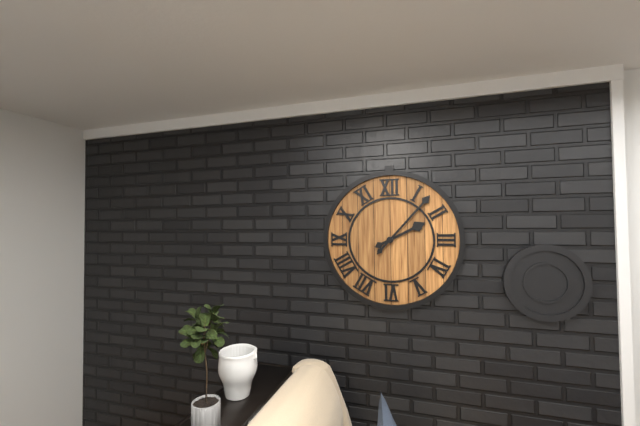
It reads 2h07
